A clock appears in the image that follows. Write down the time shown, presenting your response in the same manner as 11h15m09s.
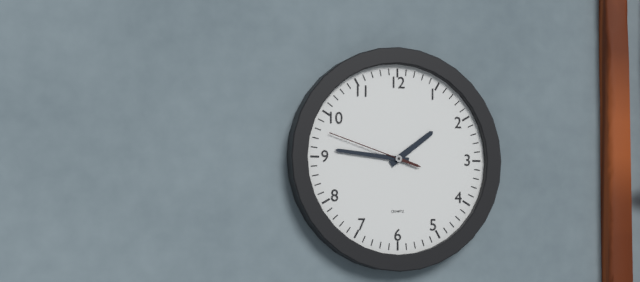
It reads 1h46m48s
